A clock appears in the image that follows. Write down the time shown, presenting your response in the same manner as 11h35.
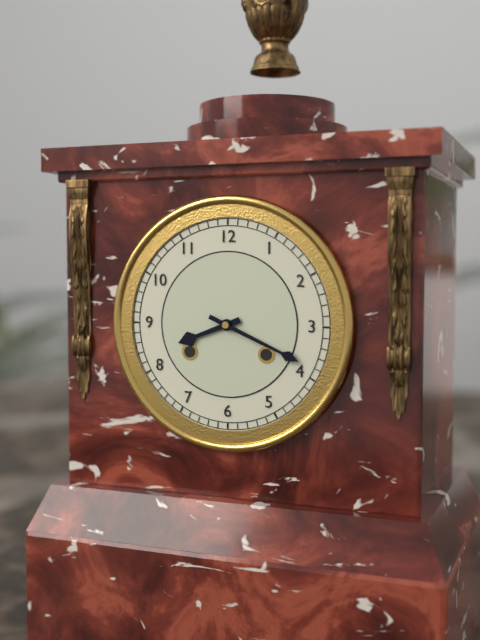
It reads 8h19
